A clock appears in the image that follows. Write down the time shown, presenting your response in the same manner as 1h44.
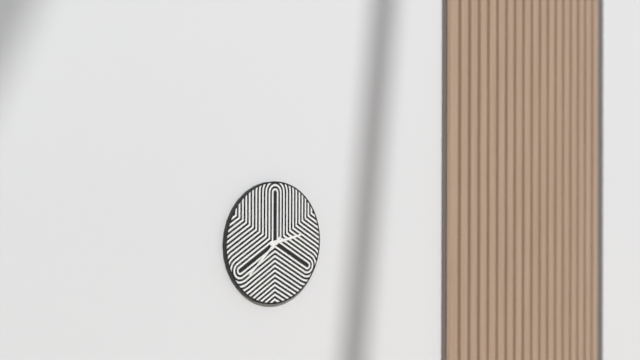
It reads 2h38
